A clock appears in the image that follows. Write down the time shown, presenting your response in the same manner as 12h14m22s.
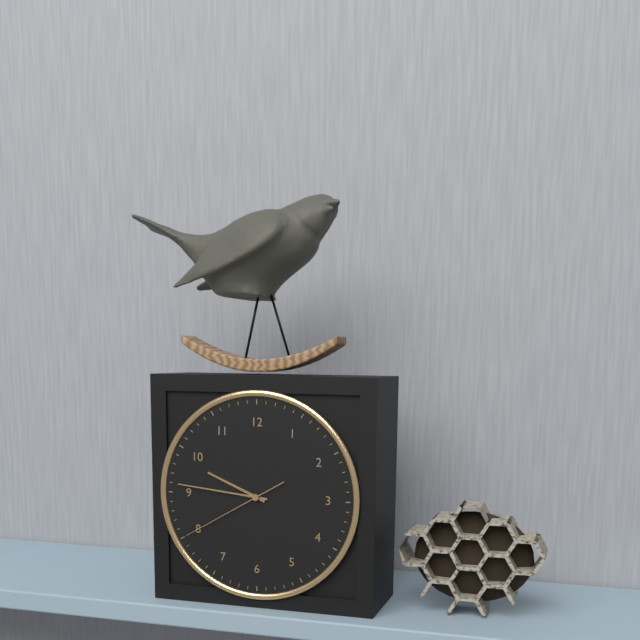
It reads 9h46m40s
